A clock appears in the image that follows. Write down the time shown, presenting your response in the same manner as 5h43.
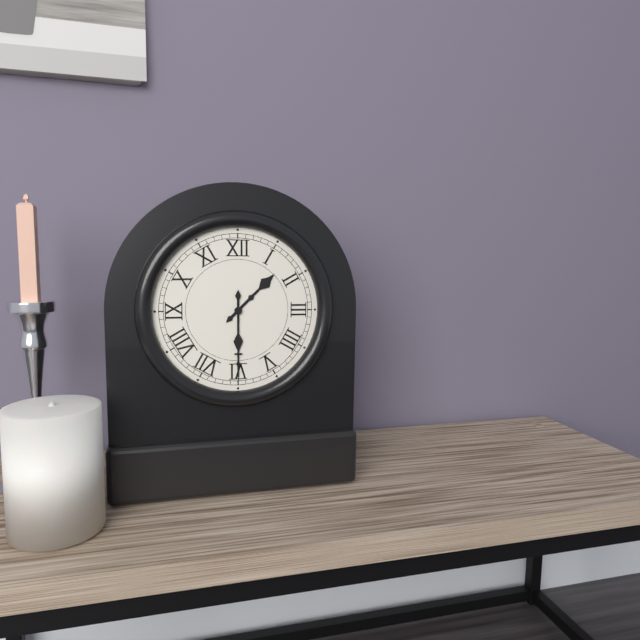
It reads 1h30
